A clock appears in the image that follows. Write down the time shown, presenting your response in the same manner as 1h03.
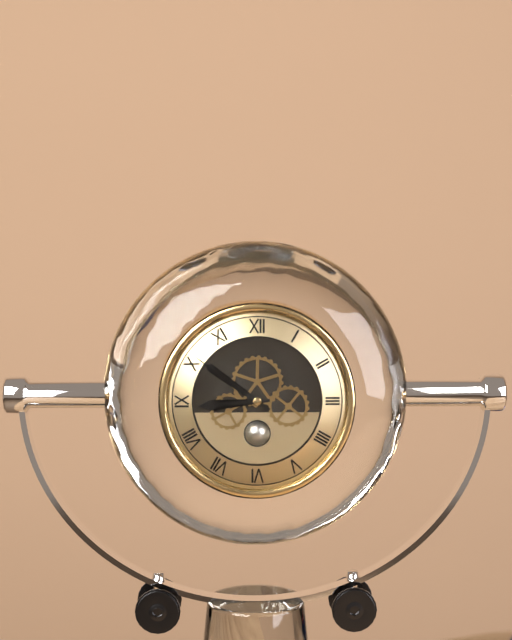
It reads 8h51
